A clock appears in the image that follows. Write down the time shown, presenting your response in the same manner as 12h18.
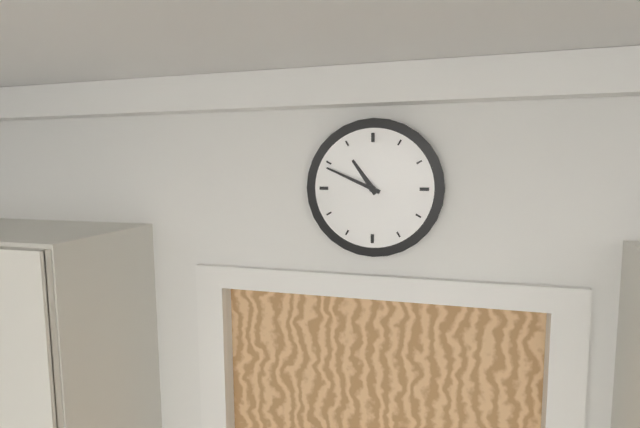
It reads 10h49
